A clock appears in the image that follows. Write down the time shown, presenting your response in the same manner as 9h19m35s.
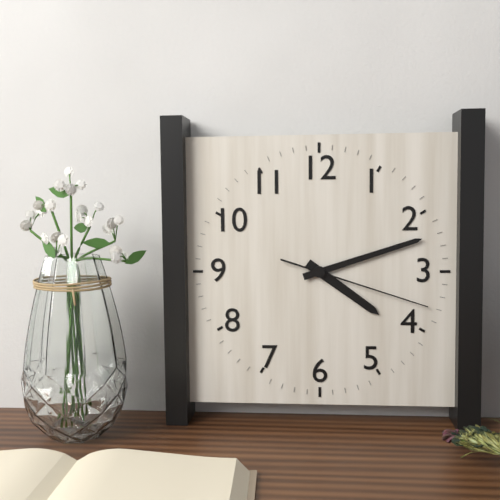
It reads 4h12m18s
